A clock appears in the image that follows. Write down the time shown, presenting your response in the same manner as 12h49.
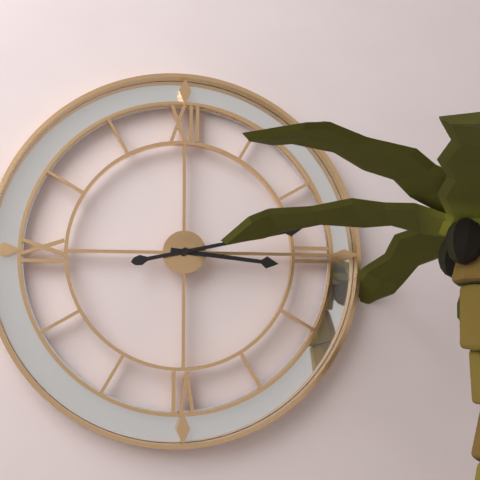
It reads 3h13
